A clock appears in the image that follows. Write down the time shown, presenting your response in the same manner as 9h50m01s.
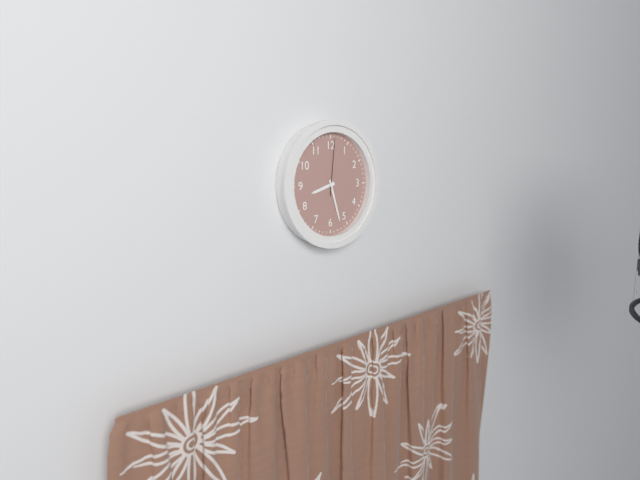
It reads 8h27m01s
